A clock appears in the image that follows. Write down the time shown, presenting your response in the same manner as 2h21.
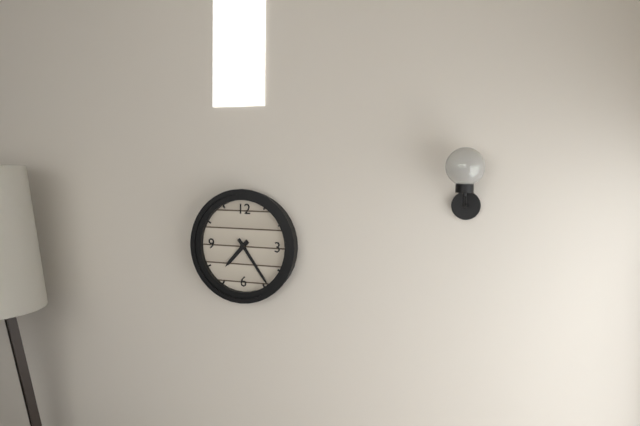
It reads 7h24
